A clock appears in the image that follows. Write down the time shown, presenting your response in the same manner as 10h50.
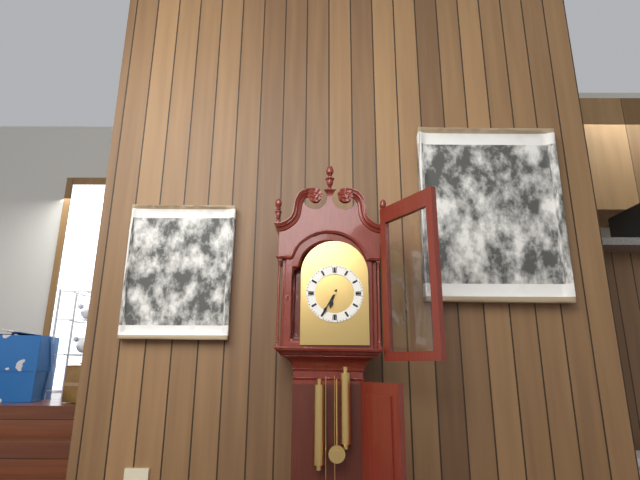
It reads 6h35
